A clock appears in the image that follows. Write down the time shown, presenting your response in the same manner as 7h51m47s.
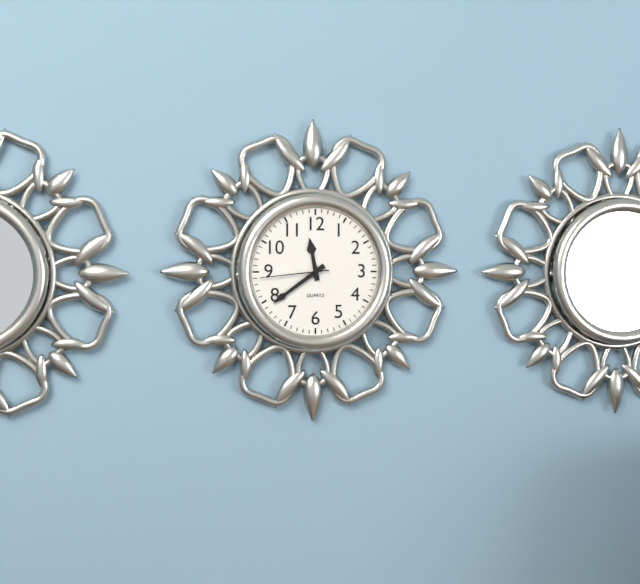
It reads 11h39m44s
